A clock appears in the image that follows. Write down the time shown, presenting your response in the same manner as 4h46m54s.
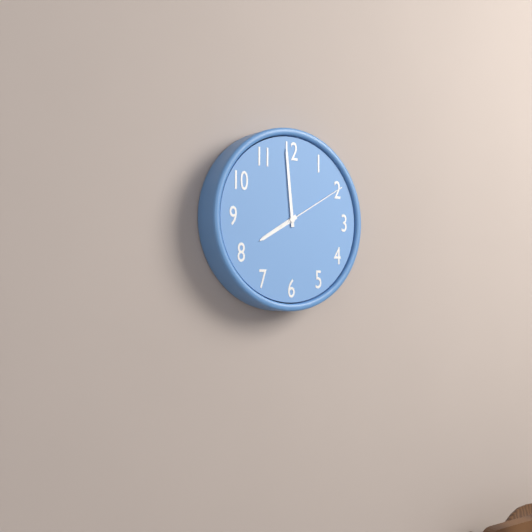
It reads 7h59m10s
